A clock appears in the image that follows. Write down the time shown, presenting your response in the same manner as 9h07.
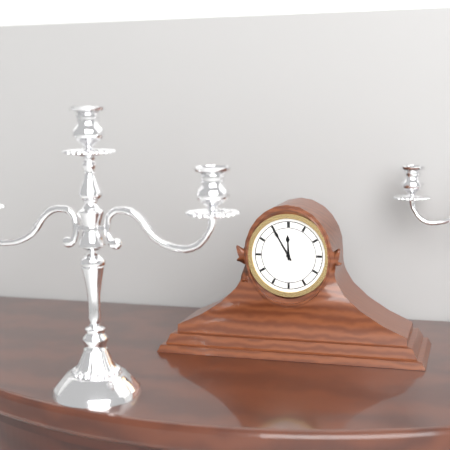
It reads 11h55
